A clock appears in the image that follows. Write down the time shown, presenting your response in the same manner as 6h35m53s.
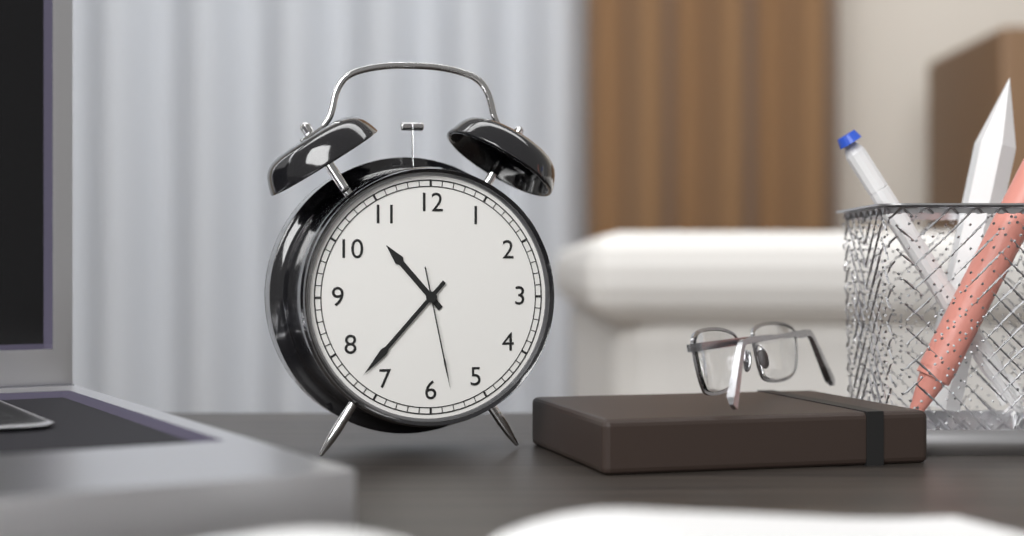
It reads 10h37m28s
